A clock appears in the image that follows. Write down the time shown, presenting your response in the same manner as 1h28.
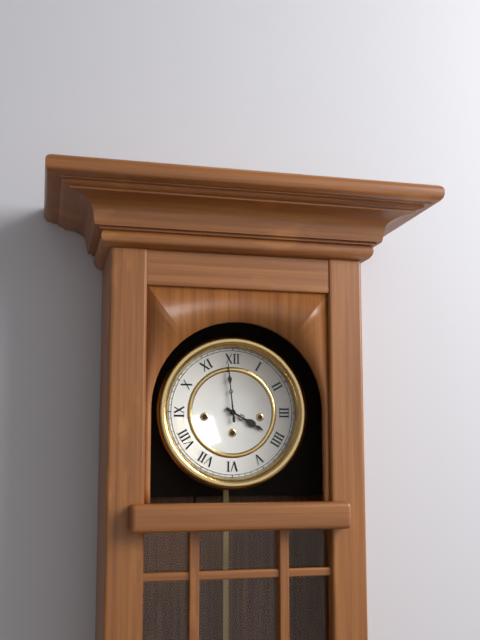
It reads 3h59
